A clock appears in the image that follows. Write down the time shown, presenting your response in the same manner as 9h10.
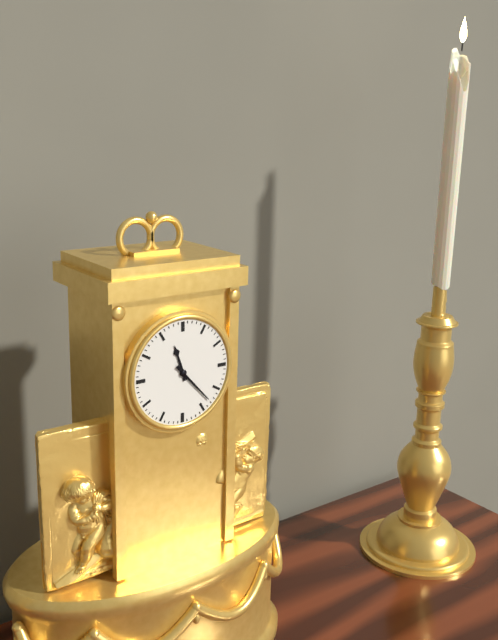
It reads 11h23
